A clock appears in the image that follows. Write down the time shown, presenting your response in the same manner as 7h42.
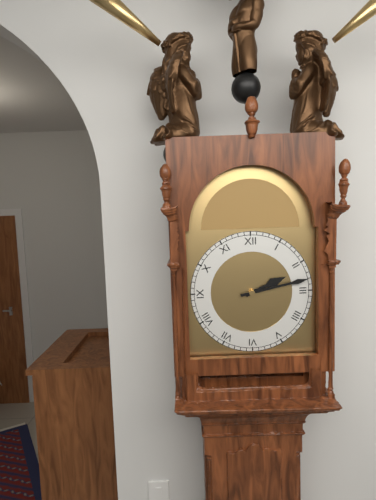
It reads 2h13
